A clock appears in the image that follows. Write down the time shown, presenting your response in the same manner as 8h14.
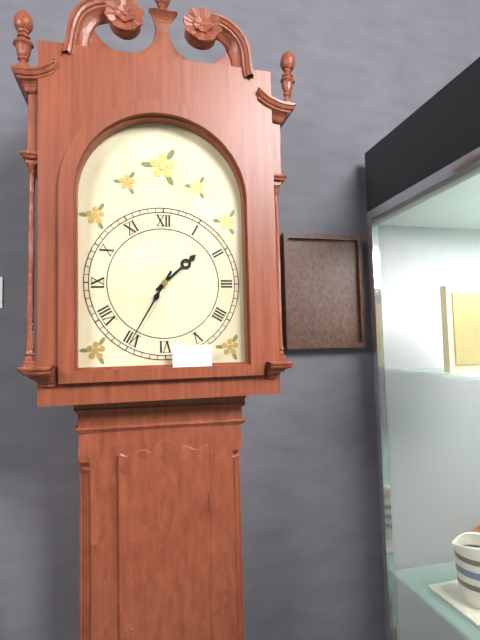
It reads 1h35
